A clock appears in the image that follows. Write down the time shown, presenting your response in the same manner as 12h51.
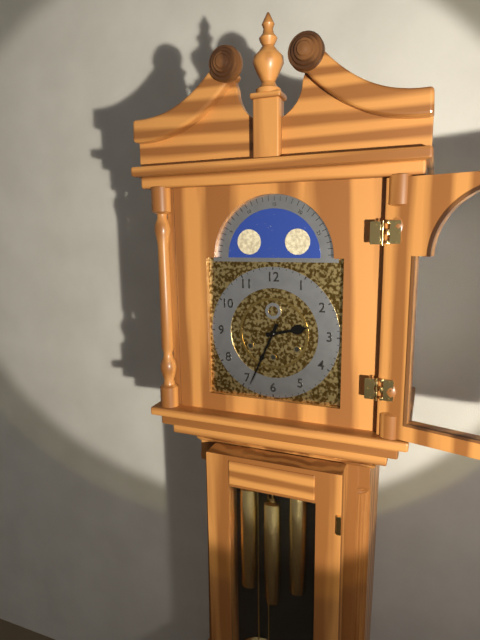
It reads 2h34
